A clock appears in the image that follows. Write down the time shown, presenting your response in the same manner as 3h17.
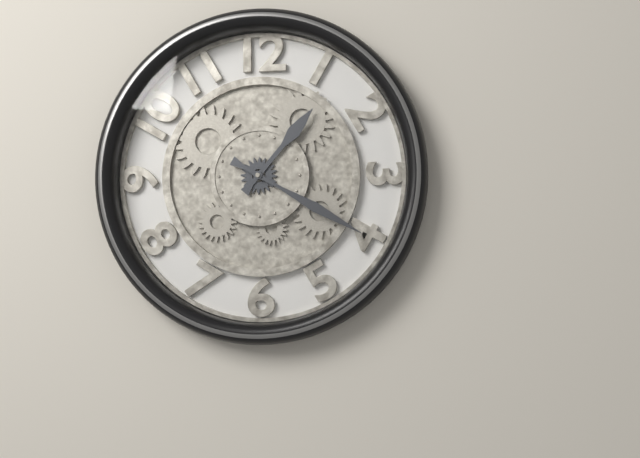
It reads 1h20
